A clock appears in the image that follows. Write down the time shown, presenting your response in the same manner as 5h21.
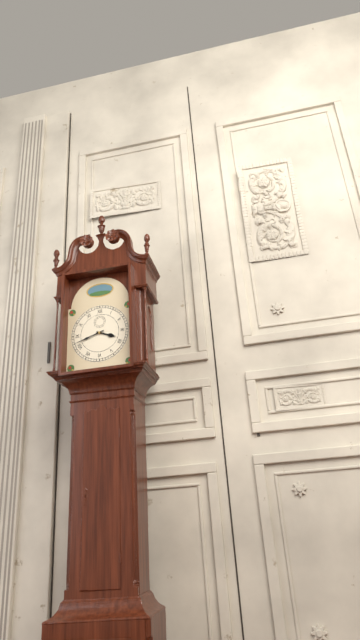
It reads 3h42
